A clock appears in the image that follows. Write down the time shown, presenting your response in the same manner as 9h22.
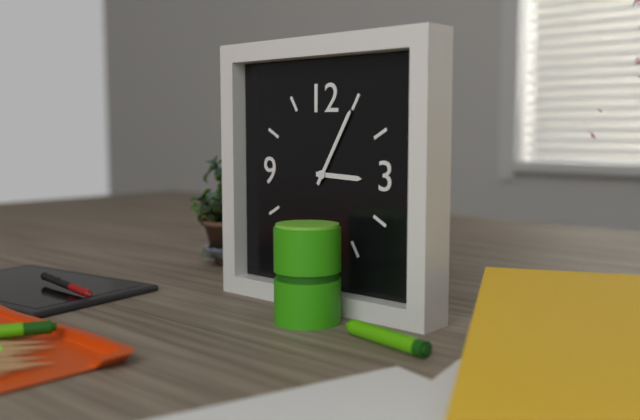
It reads 3h05
